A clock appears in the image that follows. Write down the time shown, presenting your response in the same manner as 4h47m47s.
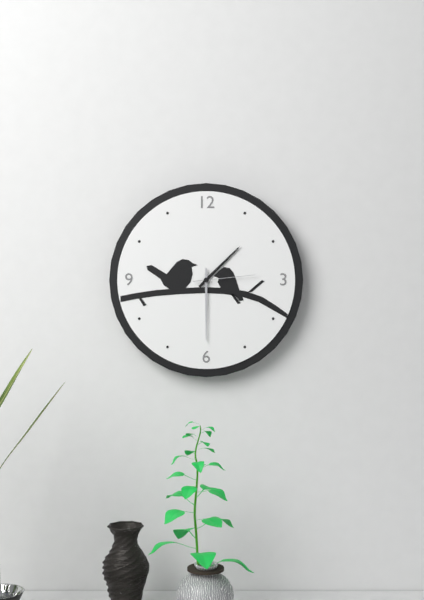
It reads 1h30m14s
